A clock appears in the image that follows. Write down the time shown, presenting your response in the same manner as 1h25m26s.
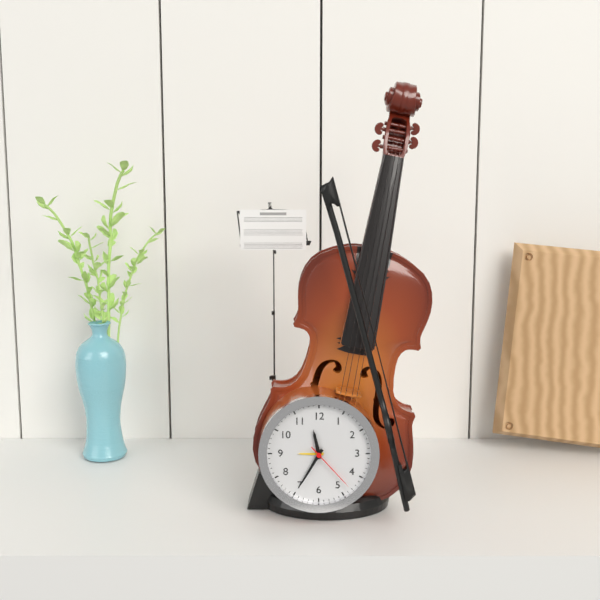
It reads 11h35m23s
